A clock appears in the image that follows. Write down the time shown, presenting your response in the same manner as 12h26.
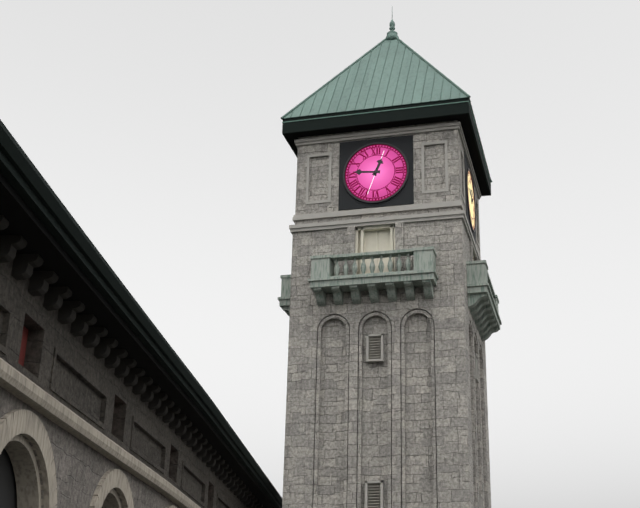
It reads 12h46
